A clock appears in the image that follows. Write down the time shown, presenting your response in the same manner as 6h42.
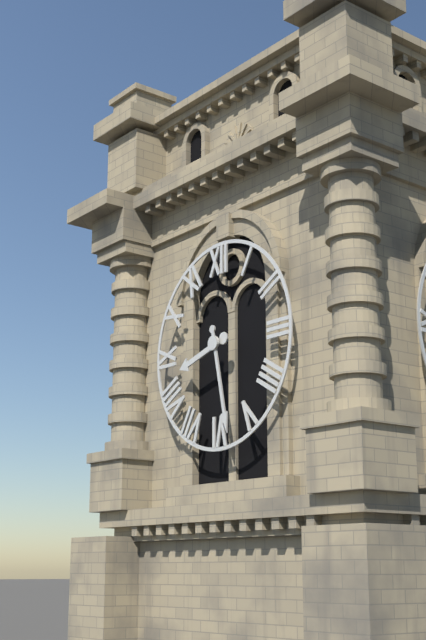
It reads 8h28
